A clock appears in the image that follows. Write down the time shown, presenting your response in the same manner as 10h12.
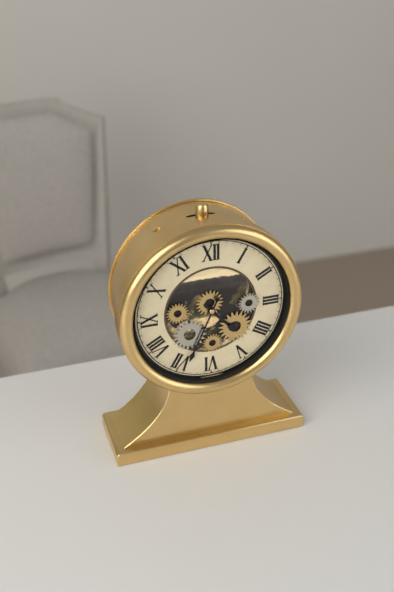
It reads 4h34
